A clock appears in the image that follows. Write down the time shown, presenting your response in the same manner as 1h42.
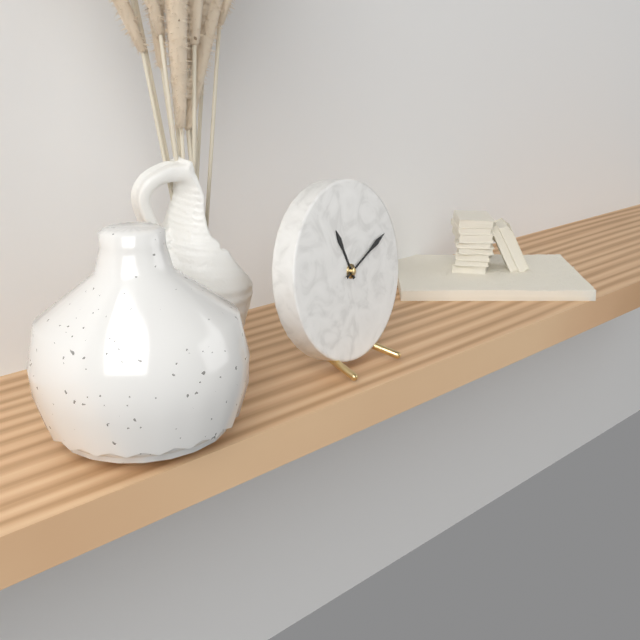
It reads 11h11
